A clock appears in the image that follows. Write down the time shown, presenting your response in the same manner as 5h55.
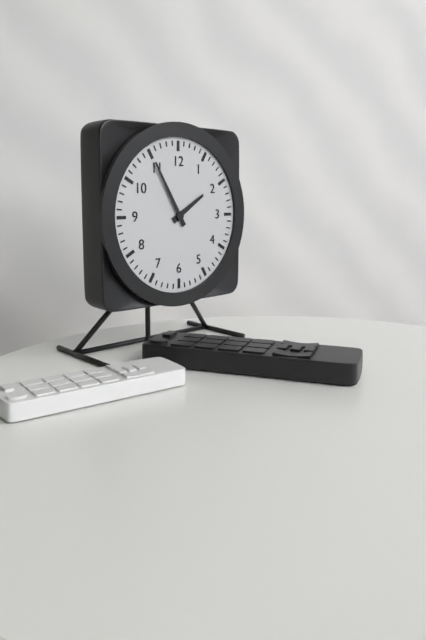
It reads 1h55
